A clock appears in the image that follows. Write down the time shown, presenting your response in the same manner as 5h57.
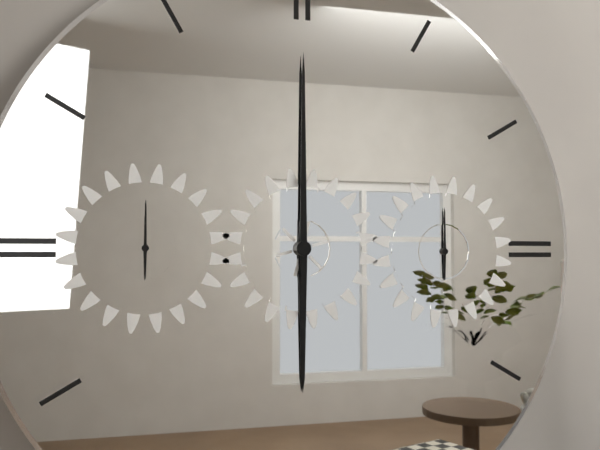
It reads 6h00
